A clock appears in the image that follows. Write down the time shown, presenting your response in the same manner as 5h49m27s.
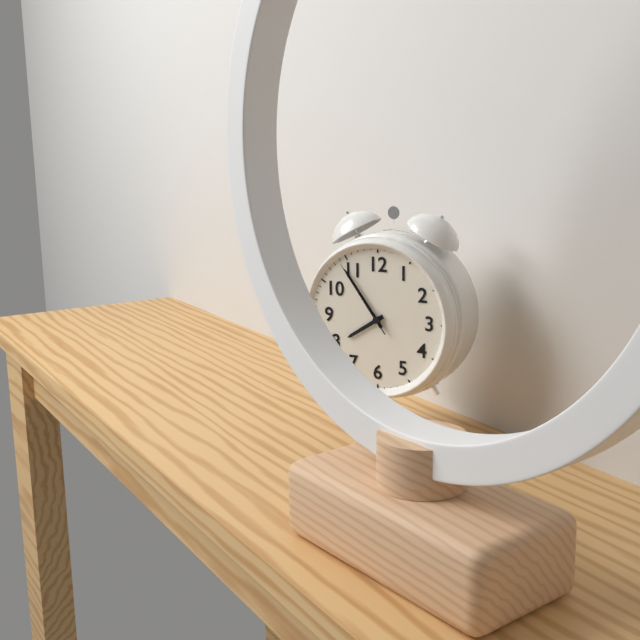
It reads 7h54m54s
